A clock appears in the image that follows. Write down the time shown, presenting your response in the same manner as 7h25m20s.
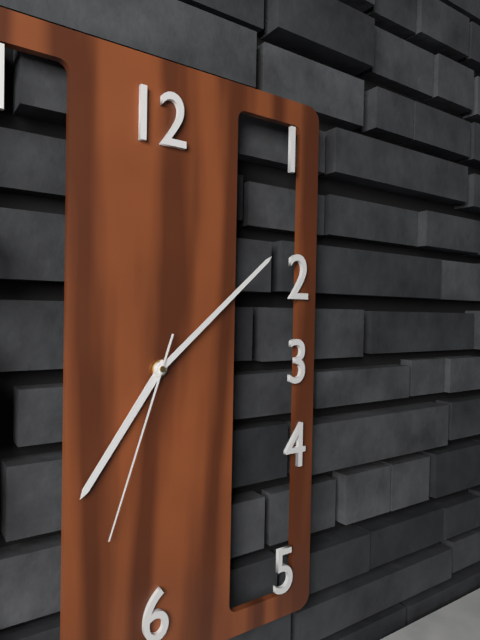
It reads 7h08m33s
